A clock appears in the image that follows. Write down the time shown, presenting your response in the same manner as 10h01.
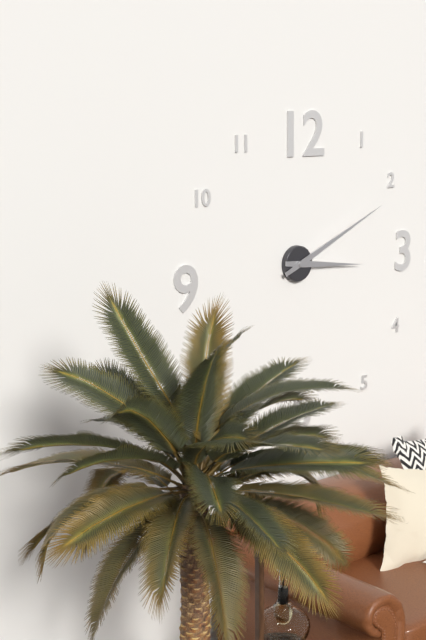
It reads 3h11
